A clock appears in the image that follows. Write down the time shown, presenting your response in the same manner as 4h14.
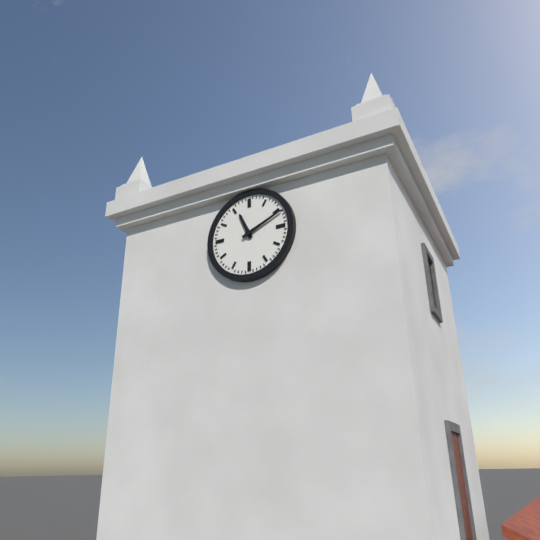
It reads 11h11
